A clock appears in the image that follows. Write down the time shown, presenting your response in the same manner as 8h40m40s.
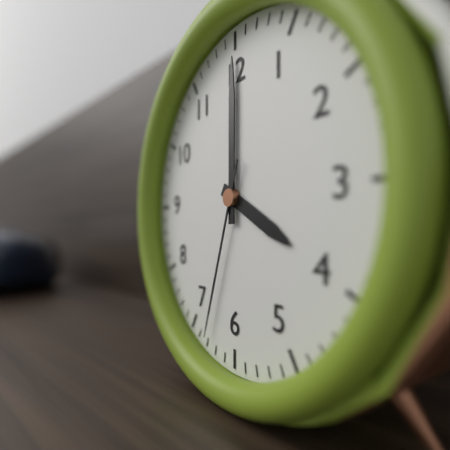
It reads 4h00m33s
